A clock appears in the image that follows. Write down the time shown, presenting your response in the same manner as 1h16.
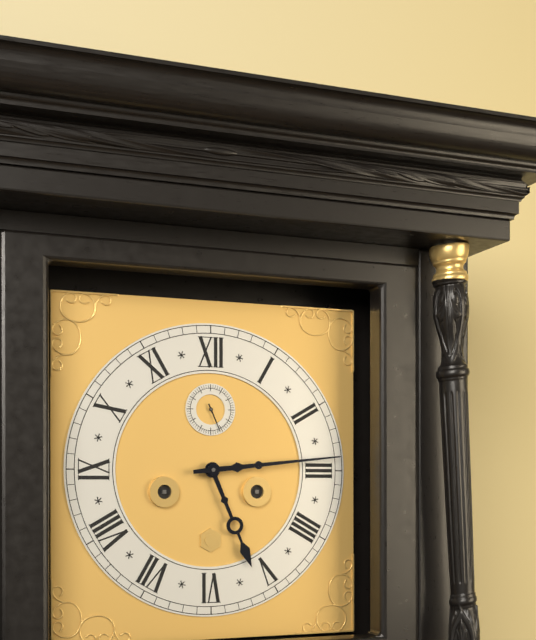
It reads 5h14
